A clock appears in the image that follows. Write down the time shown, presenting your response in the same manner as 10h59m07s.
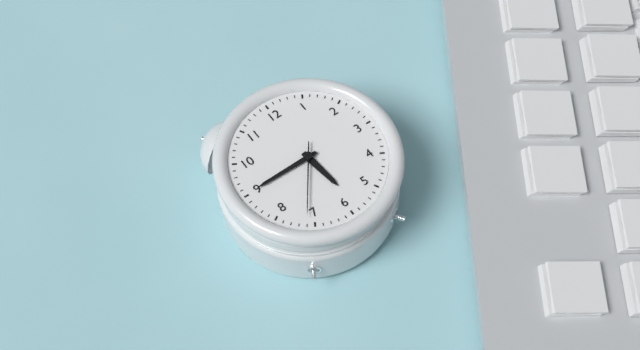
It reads 5h45m36s
